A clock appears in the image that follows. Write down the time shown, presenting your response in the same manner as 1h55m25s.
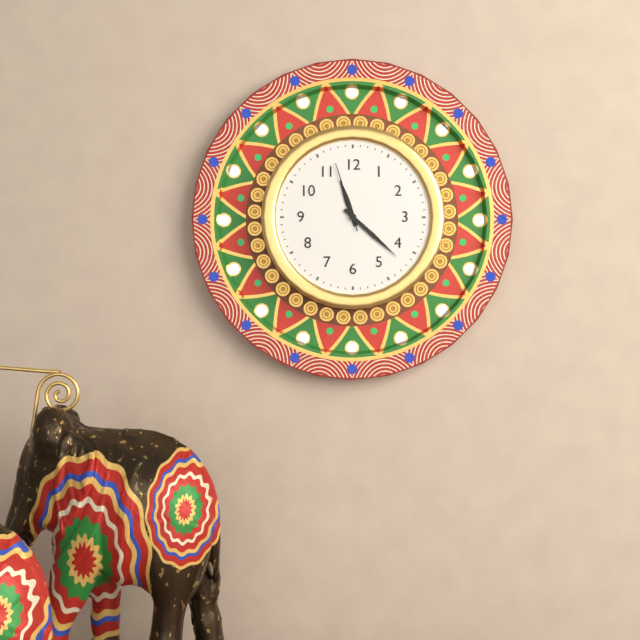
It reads 11h22m57s
